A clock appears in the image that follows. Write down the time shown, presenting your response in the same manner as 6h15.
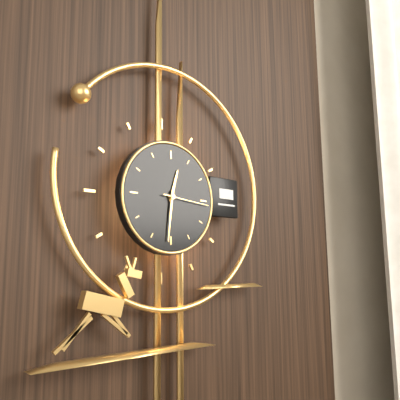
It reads 12h31
